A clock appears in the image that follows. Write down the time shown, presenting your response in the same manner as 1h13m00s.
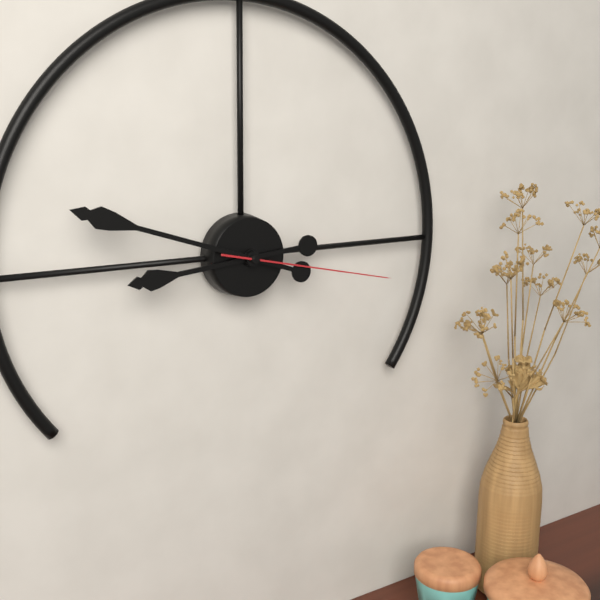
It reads 8h48m17s
